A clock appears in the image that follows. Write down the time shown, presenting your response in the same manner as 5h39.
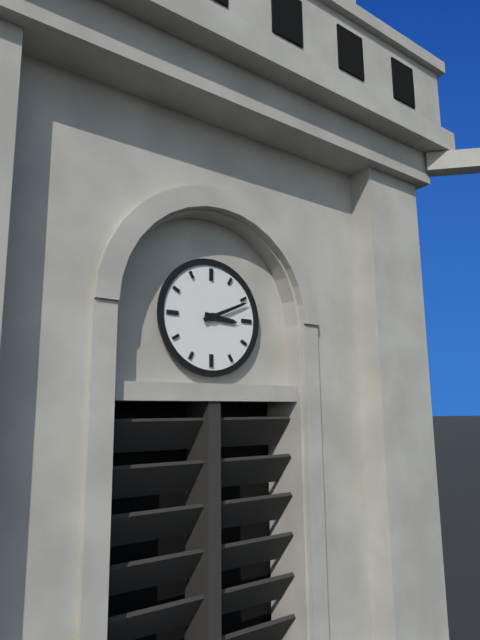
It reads 3h11
